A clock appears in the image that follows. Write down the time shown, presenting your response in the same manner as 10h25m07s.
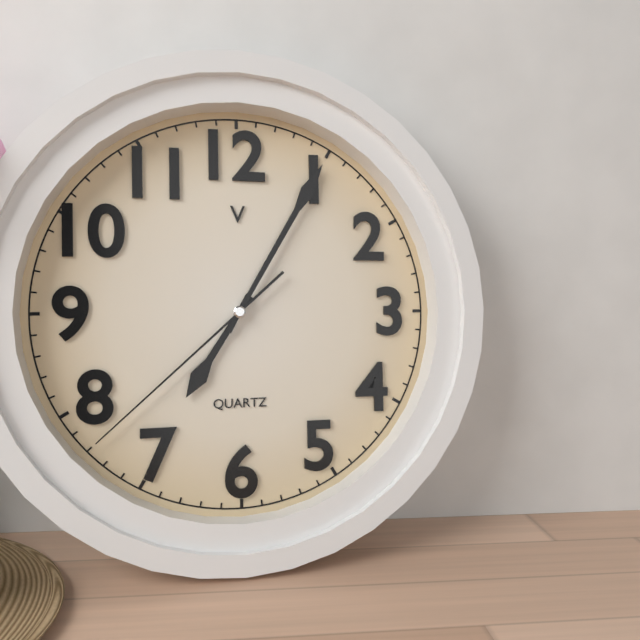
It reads 7h05m38s
